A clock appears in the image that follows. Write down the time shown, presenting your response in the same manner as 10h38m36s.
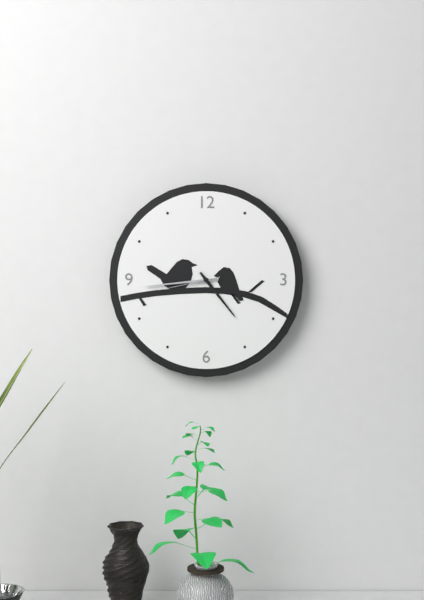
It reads 4h44m43s
